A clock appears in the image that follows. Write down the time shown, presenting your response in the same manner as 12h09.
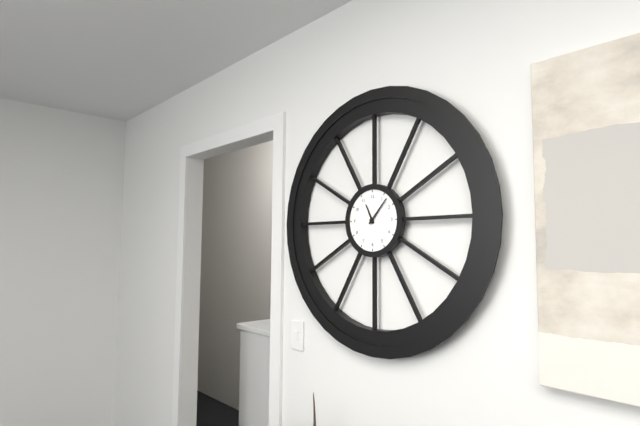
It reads 11h07
